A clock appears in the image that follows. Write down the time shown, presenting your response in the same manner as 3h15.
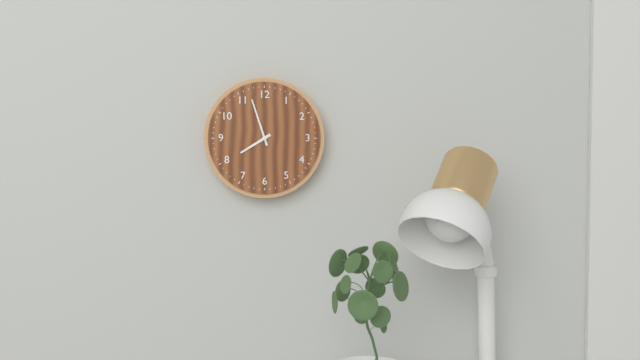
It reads 7h57
